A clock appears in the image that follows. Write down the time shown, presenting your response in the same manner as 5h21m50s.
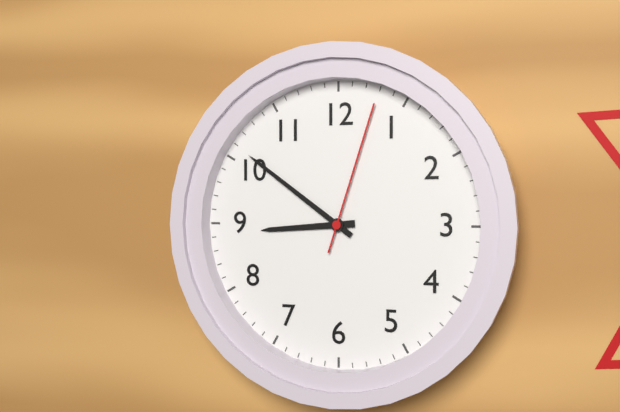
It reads 8h51m03s
